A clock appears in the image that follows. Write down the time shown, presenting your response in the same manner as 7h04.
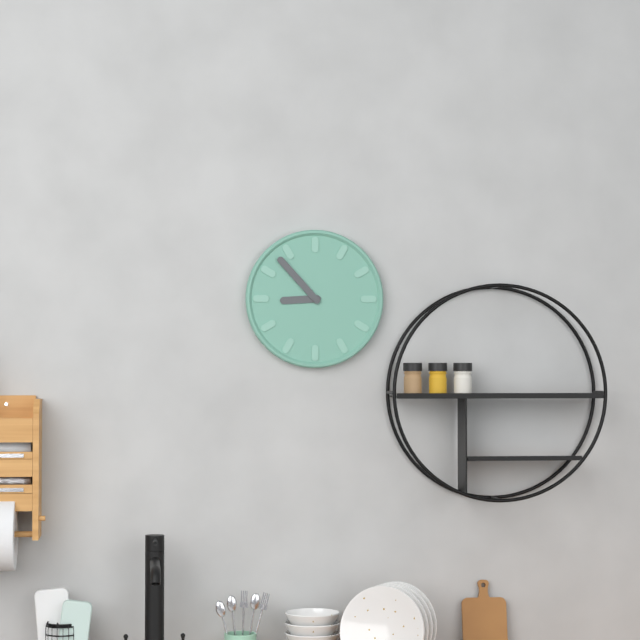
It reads 8h53
